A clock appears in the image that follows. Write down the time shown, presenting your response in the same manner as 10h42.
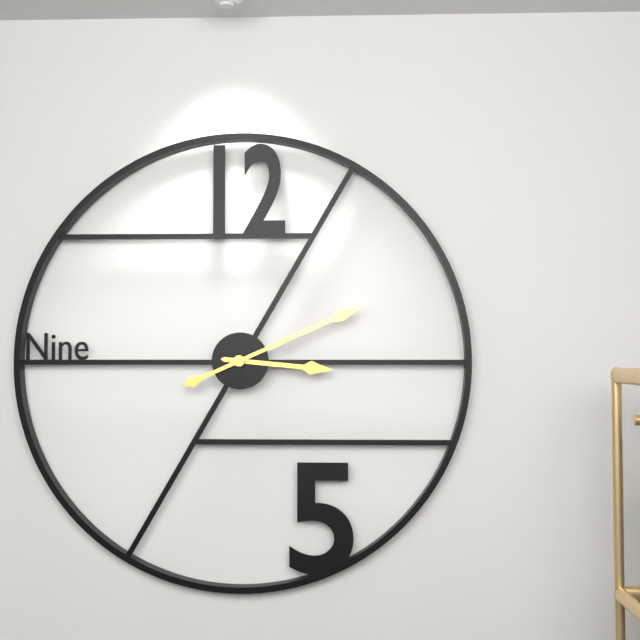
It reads 3h11
